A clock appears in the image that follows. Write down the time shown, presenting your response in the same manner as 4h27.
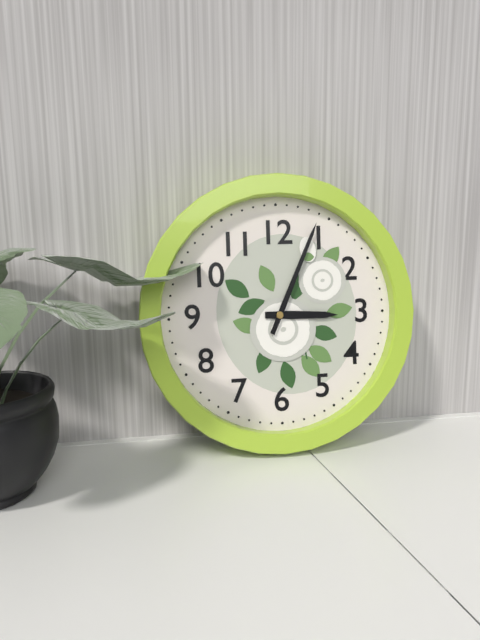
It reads 3h04
